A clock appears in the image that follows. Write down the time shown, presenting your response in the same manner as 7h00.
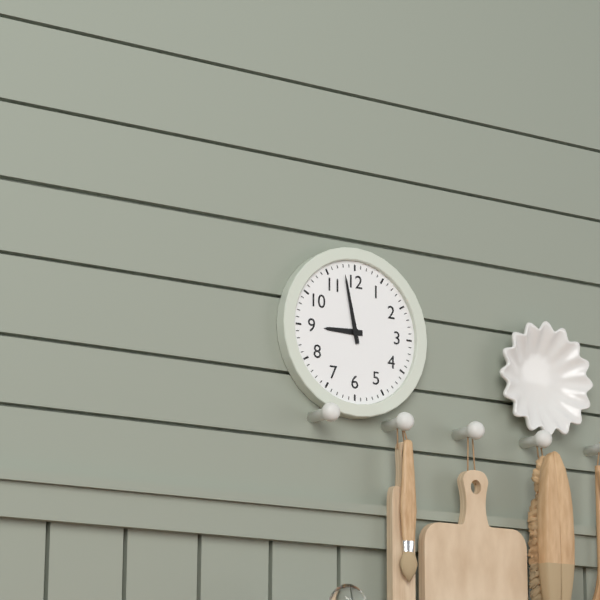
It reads 8h58
